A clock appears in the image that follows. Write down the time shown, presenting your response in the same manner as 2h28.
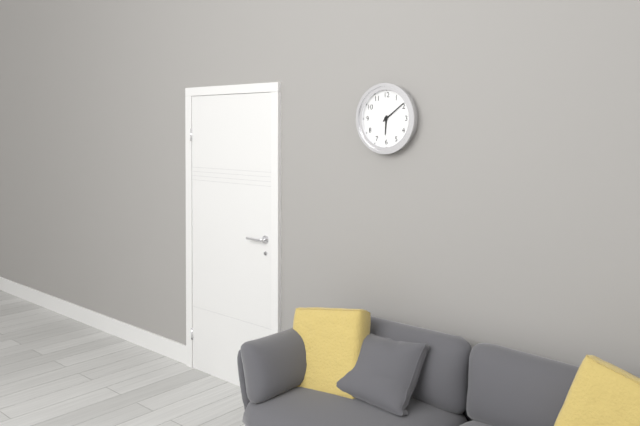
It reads 6h09
